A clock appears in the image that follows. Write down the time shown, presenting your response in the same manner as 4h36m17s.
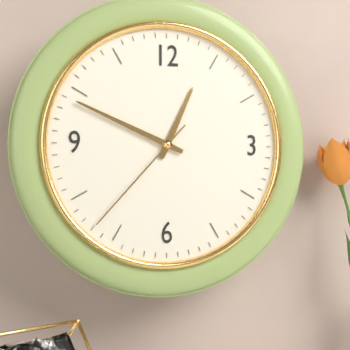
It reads 12h49m37s
